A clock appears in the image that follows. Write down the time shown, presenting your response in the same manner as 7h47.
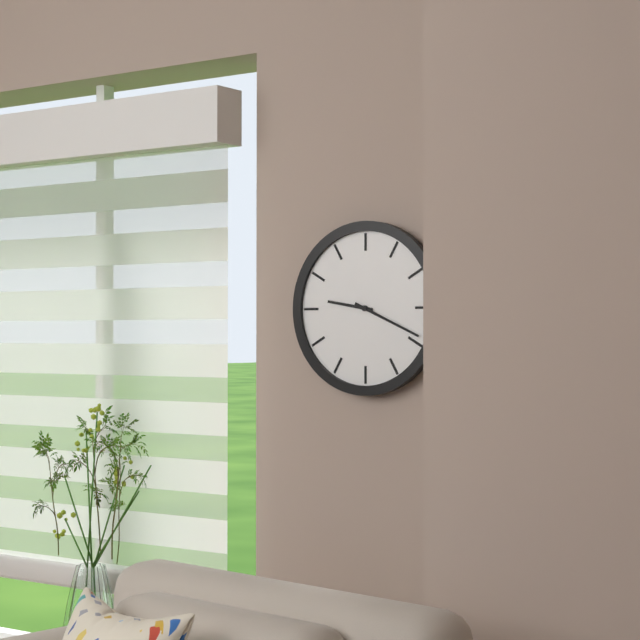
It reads 9h19
